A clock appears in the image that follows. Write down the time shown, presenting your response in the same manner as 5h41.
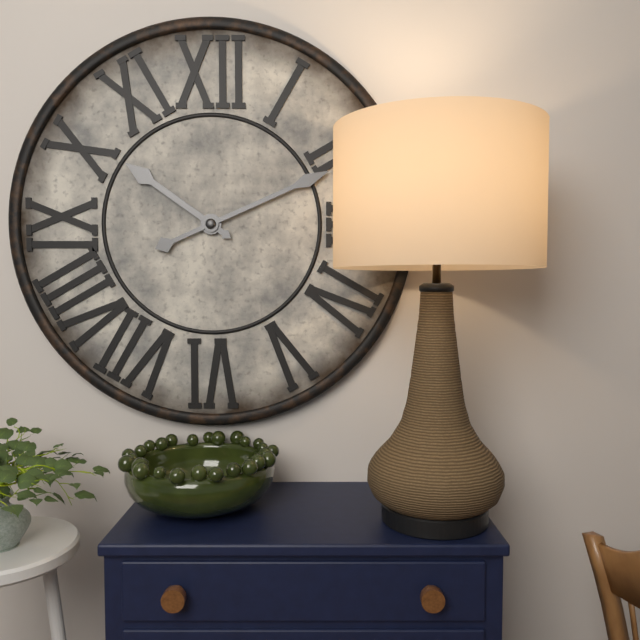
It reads 10h11
